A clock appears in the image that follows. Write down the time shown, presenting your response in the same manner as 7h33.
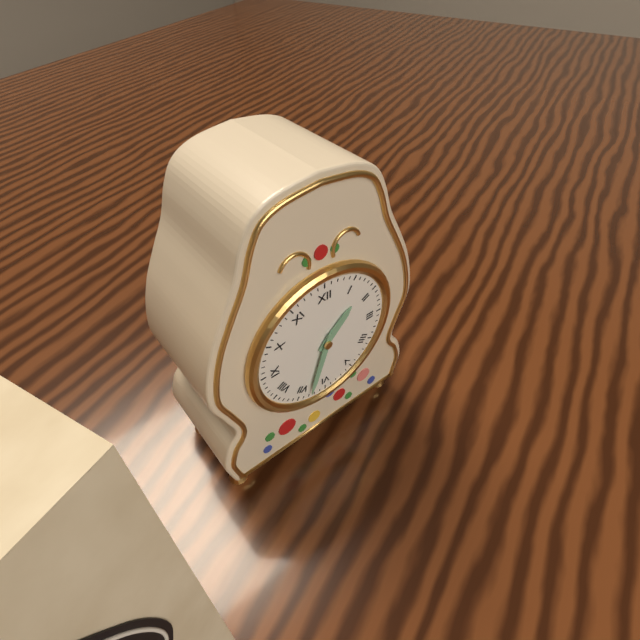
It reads 1h33
